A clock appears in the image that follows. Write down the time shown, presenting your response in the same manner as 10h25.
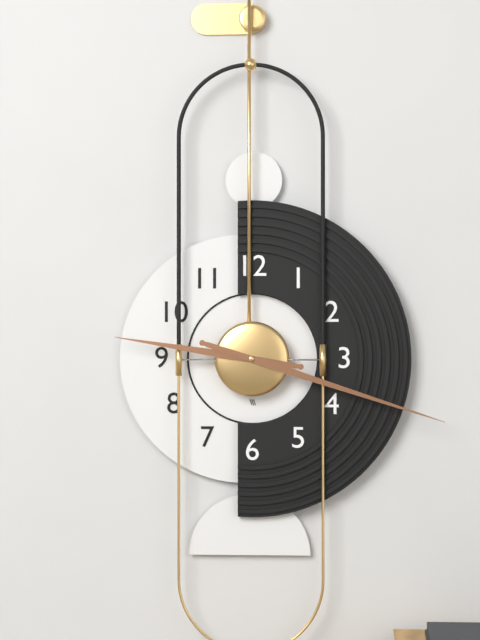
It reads 9h18
